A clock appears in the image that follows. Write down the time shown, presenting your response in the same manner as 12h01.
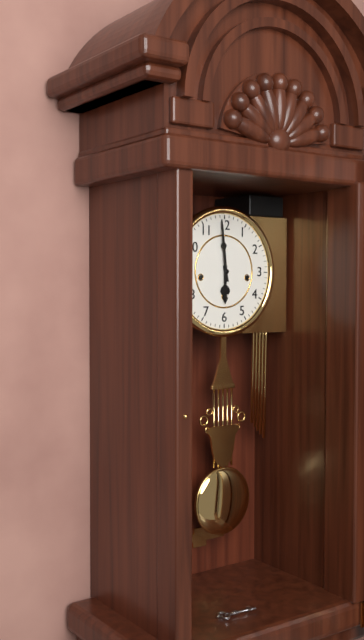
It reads 5h59
